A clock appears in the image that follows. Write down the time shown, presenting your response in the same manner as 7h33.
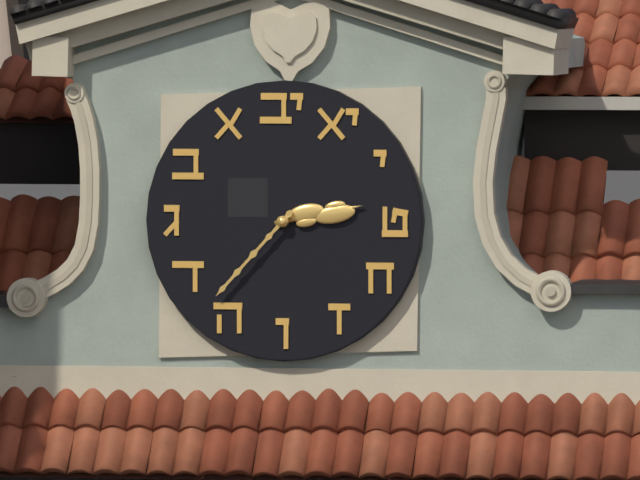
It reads 2h37
